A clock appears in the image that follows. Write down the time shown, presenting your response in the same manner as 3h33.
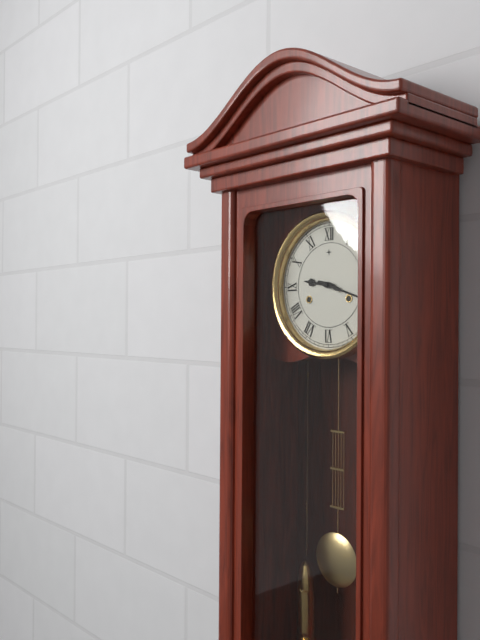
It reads 9h18
